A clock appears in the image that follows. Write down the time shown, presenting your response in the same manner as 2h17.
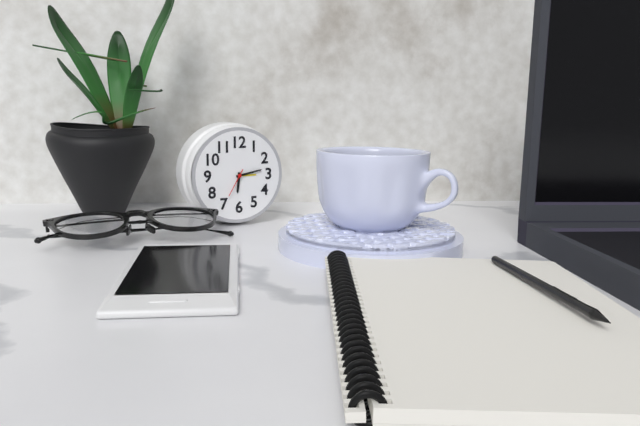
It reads 6h13
